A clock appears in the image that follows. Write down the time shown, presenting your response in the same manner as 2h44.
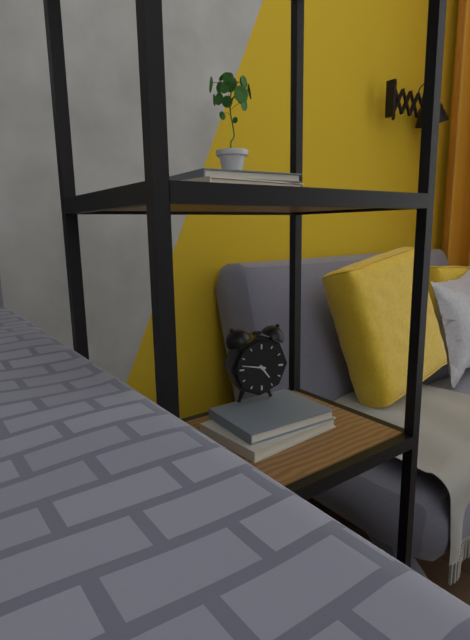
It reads 4h47
